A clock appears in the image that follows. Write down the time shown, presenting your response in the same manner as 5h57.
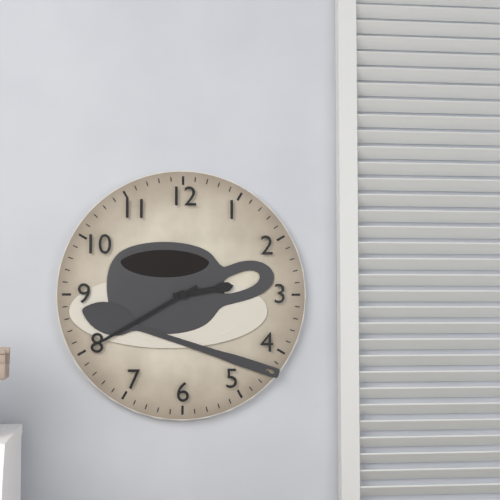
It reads 2h40
